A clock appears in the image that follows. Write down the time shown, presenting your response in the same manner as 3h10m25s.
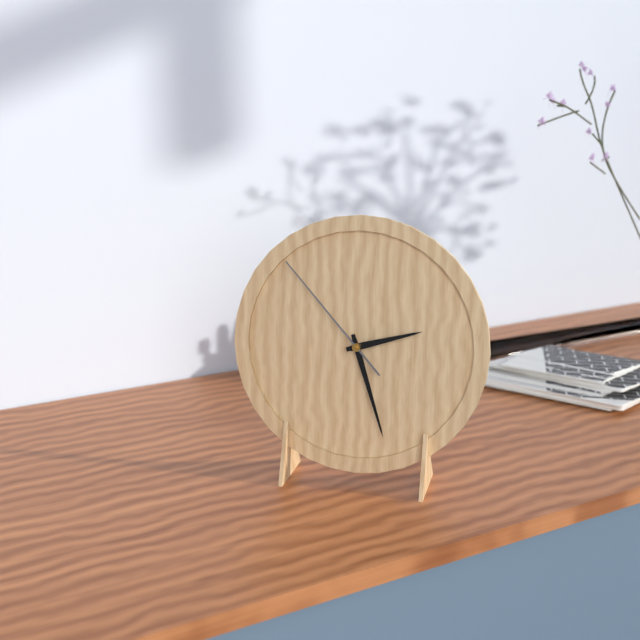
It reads 2h27m53s
